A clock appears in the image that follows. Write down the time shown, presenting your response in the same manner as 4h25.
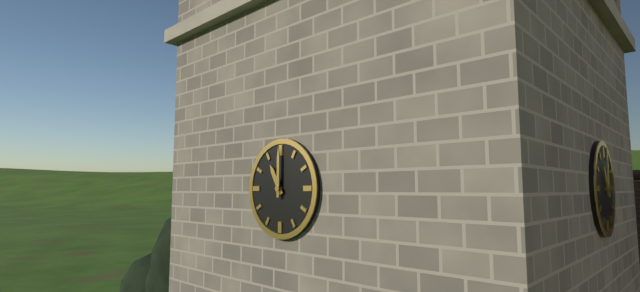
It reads 11h00
